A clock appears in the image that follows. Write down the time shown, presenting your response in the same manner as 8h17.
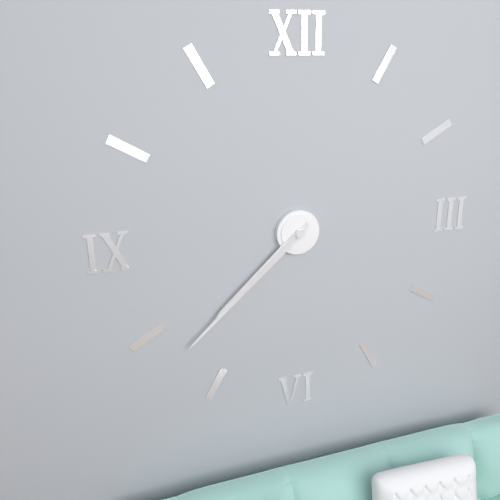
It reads 7h38
